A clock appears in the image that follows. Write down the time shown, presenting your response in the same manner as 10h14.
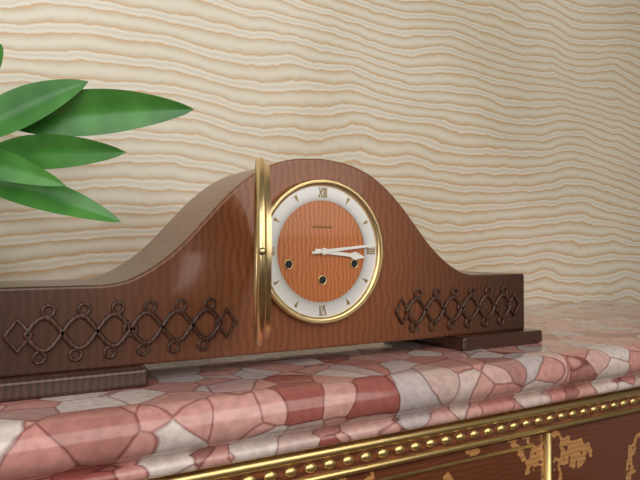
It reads 3h14
